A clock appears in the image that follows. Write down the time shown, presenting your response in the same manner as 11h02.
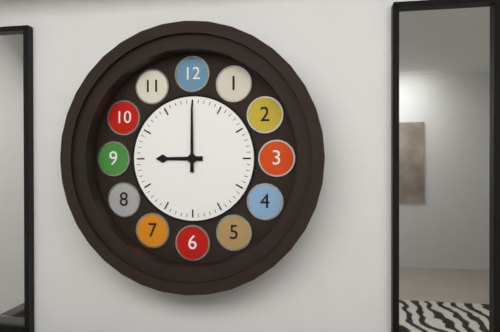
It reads 9h00
